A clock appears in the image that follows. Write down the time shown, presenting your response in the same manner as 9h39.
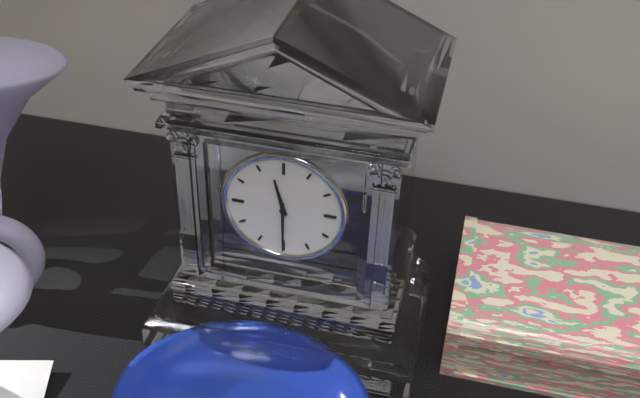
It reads 11h30
